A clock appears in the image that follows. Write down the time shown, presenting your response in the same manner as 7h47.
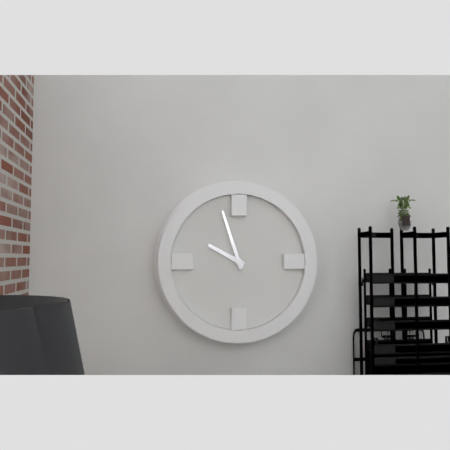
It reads 9h57
